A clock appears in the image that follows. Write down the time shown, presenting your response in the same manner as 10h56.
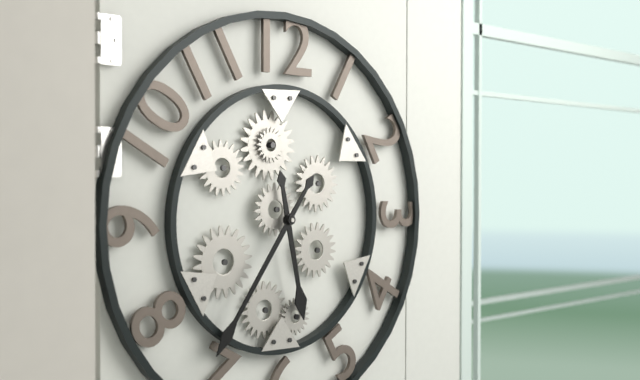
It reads 5h36
